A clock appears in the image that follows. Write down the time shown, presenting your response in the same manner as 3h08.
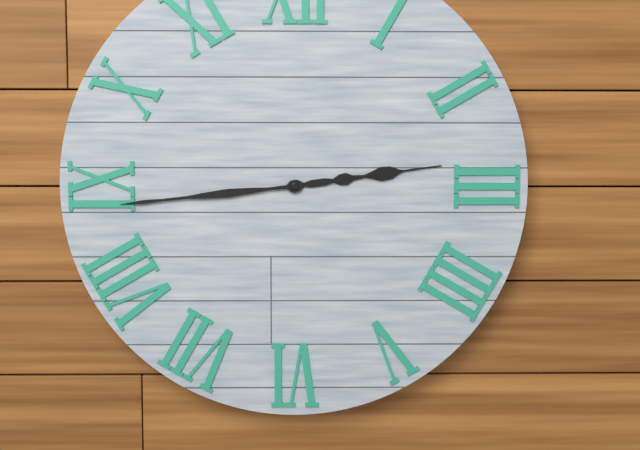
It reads 2h44
